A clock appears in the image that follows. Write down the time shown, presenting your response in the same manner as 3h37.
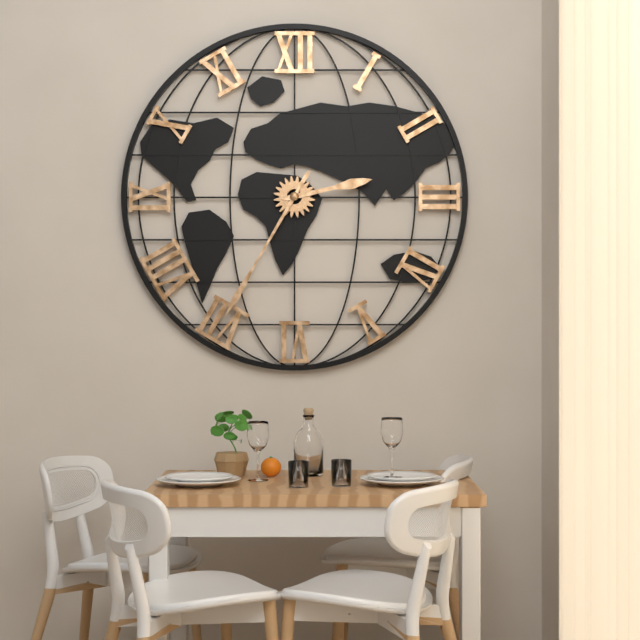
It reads 2h35
